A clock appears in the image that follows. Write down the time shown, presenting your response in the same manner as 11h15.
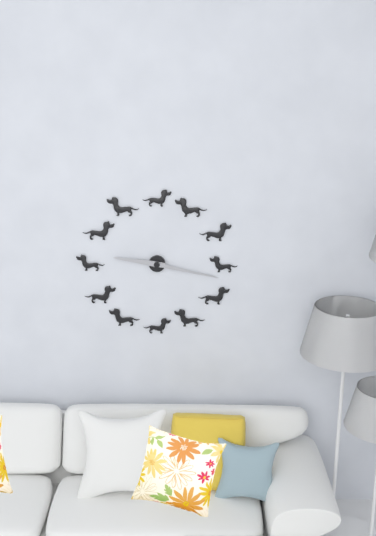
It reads 9h17
